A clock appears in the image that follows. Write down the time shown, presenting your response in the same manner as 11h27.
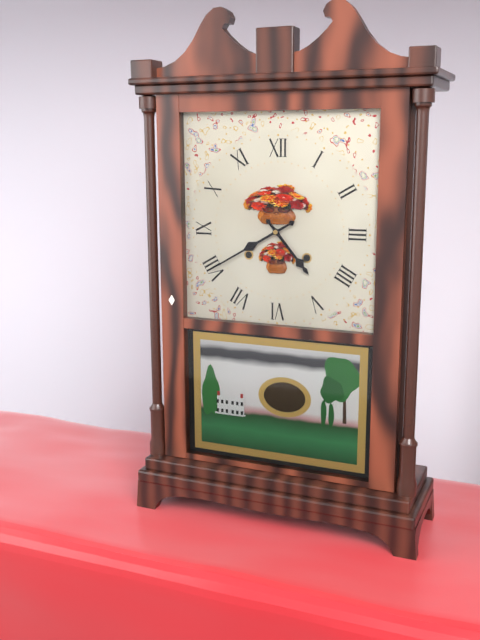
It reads 4h40
